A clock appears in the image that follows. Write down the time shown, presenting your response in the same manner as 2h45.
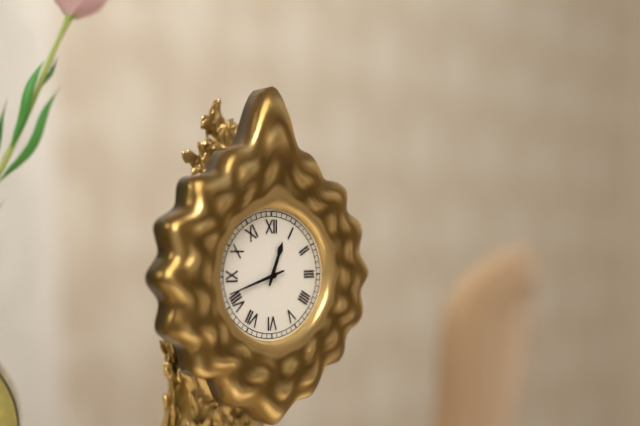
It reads 12h42
